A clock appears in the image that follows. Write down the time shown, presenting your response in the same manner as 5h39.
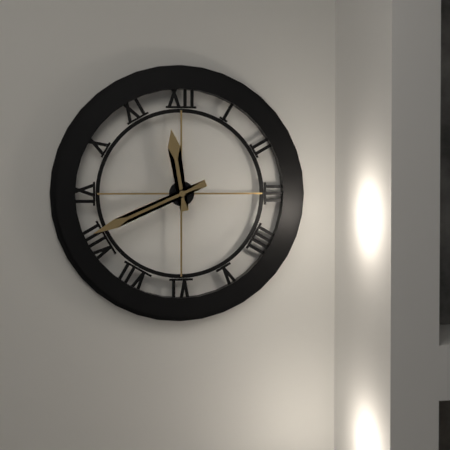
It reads 11h41
